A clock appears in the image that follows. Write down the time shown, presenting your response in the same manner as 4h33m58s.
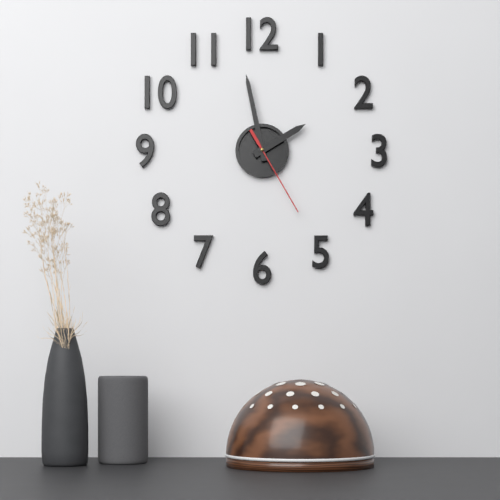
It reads 1h58m25s
